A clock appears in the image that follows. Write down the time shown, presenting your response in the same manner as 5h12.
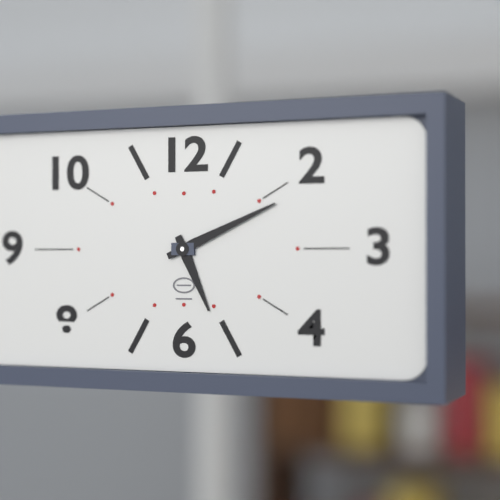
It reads 5h11
